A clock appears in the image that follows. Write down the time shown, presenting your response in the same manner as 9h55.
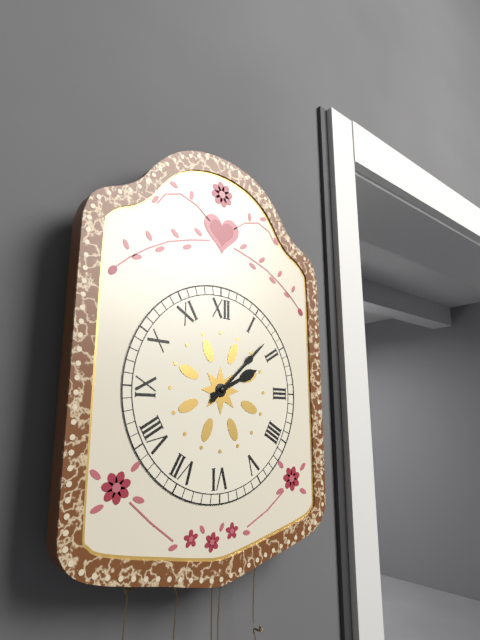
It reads 2h08
